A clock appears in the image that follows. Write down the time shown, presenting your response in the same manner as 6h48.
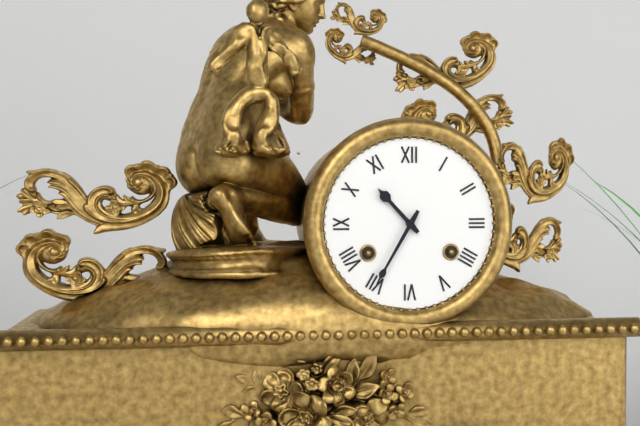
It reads 10h35
